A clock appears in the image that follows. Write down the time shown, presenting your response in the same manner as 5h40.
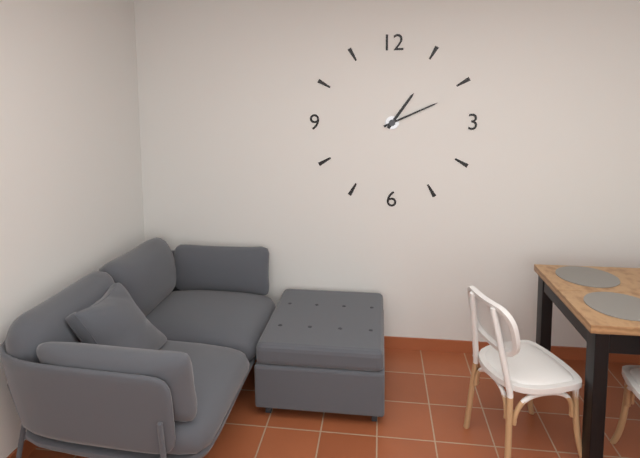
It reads 1h11
